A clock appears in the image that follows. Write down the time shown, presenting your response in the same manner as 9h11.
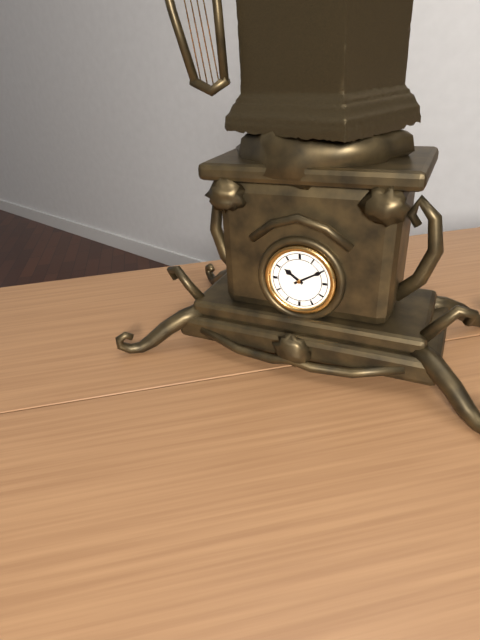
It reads 10h10
